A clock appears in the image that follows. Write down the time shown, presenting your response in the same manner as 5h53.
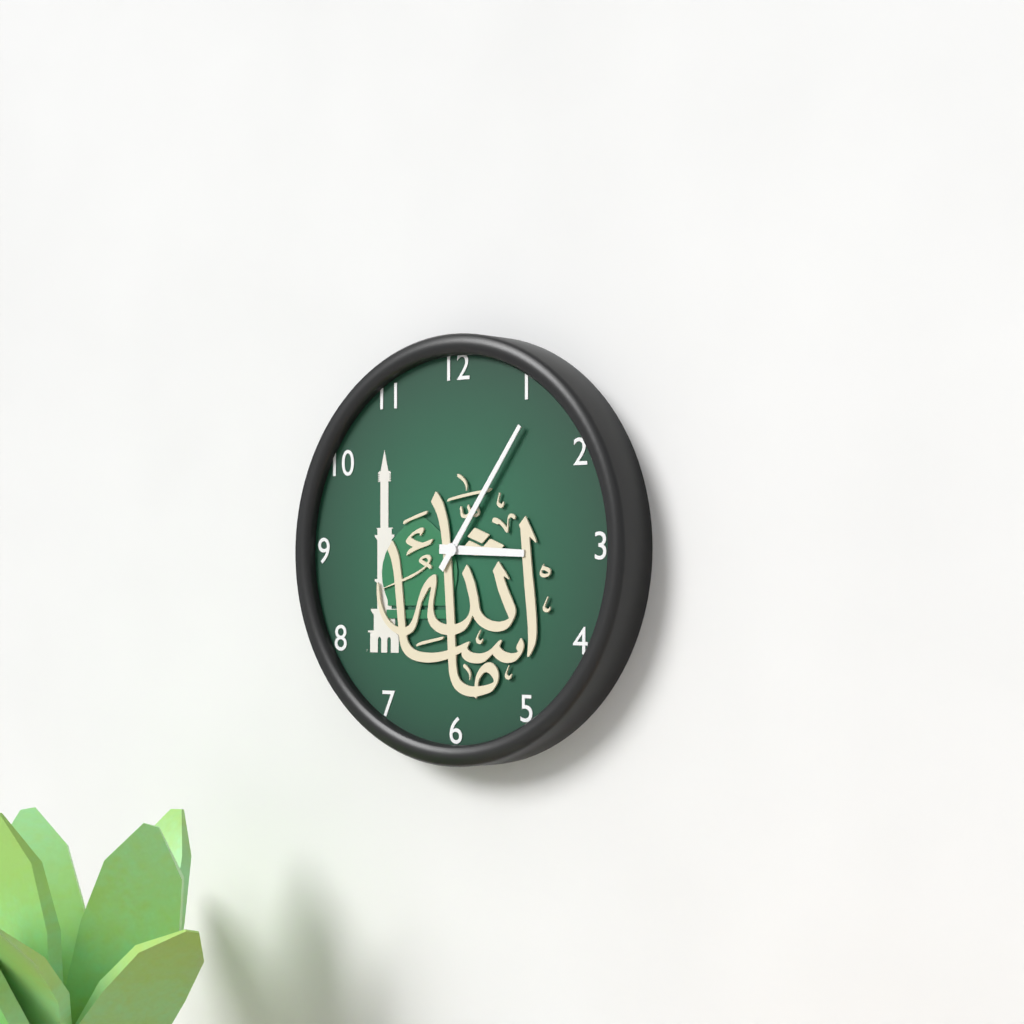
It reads 3h06
